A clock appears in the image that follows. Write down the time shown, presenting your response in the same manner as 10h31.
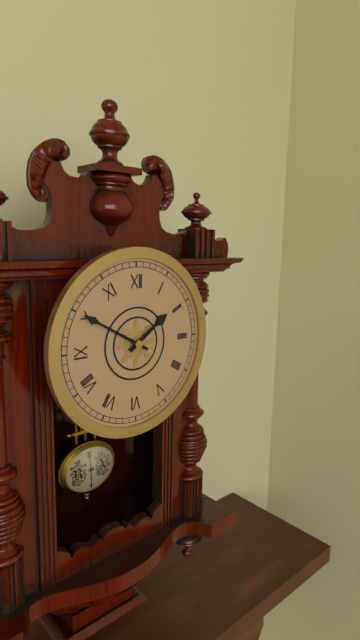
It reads 1h50
